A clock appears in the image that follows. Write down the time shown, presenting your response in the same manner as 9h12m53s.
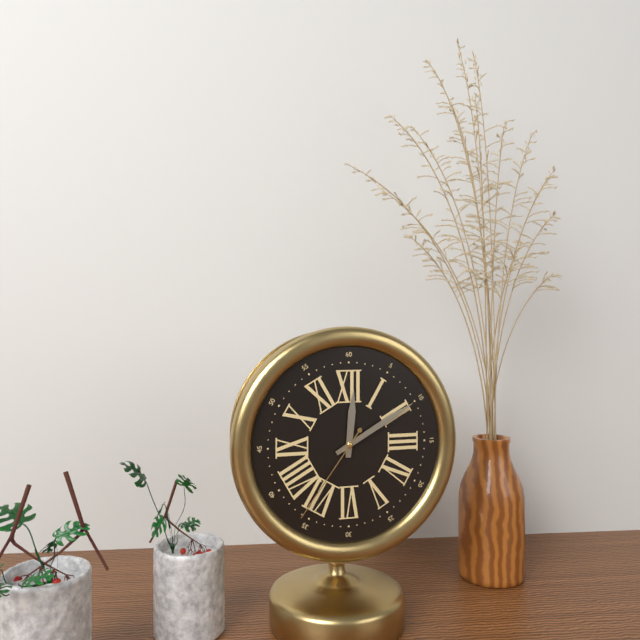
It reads 12h10m36s
